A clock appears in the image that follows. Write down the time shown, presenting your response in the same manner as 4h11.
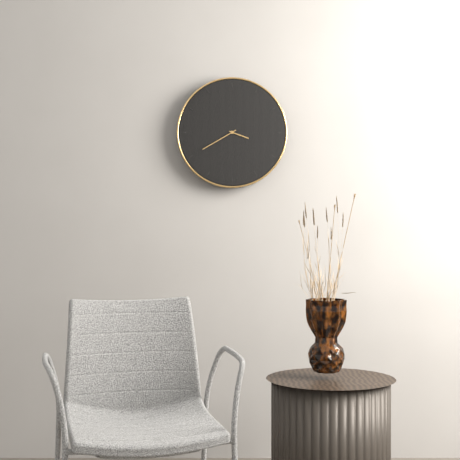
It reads 3h40
